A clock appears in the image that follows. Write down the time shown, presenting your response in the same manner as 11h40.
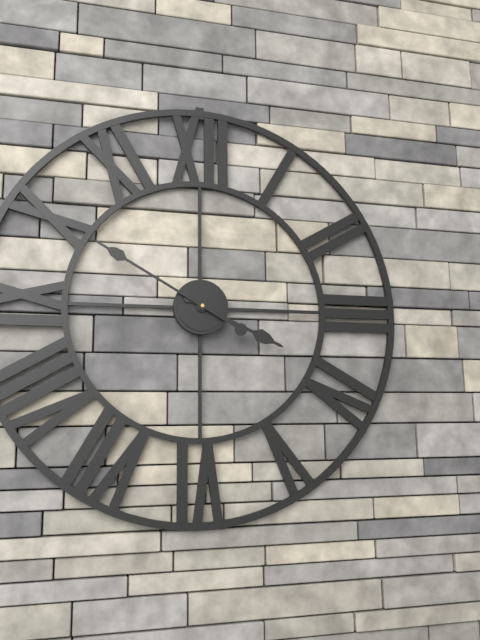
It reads 3h50
